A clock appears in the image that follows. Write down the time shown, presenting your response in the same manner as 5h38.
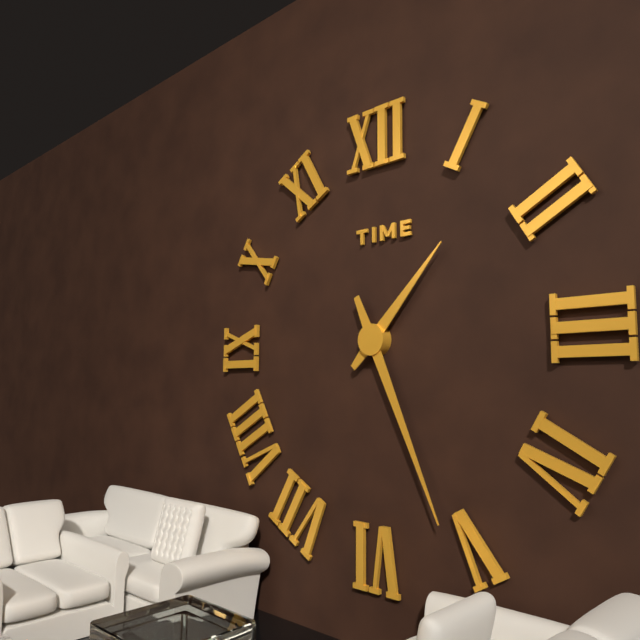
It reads 1h26
